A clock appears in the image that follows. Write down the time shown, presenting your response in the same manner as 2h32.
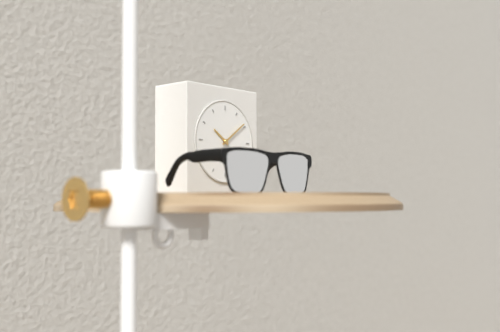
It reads 10h09
